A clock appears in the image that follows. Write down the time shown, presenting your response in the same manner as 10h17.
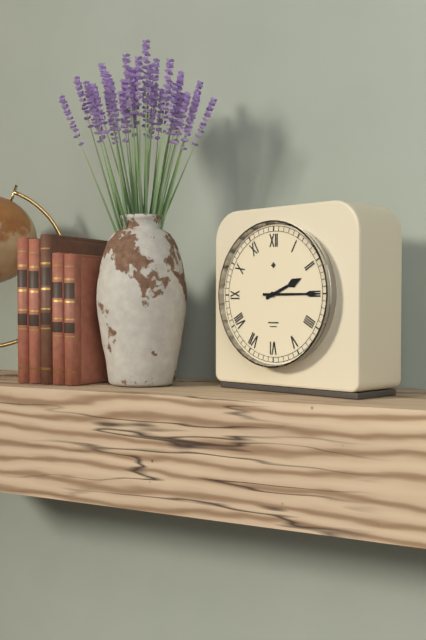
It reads 2h15
